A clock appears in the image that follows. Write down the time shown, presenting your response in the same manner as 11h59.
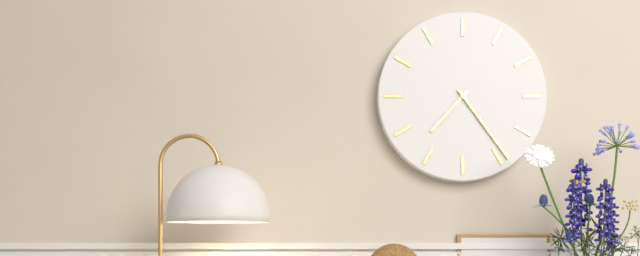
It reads 7h24
